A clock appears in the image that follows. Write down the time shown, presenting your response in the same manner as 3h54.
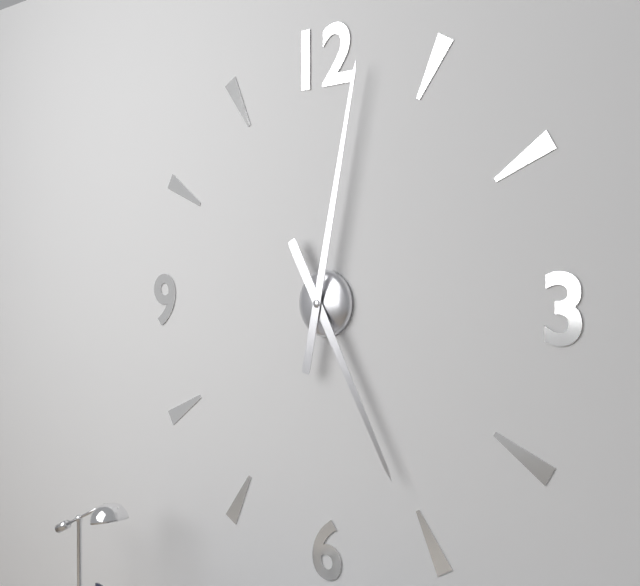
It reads 5h02
